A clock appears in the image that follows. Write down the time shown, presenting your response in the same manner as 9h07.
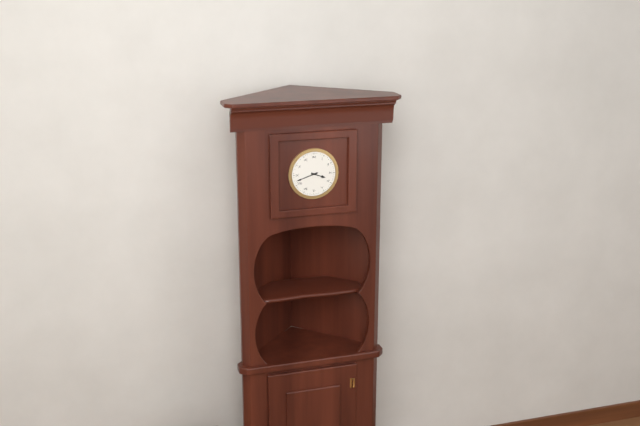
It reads 3h42
